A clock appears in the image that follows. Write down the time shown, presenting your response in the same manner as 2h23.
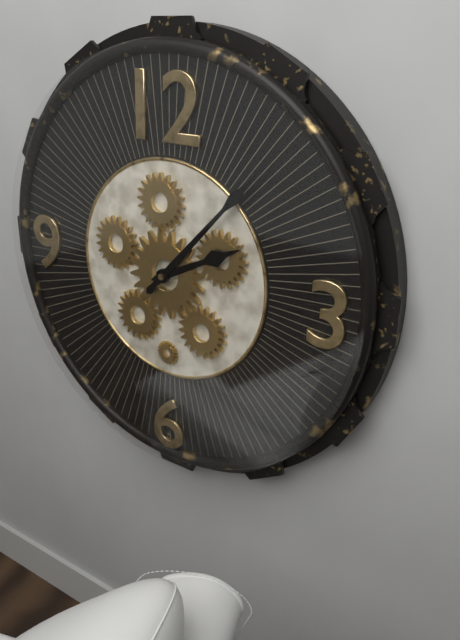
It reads 2h07
